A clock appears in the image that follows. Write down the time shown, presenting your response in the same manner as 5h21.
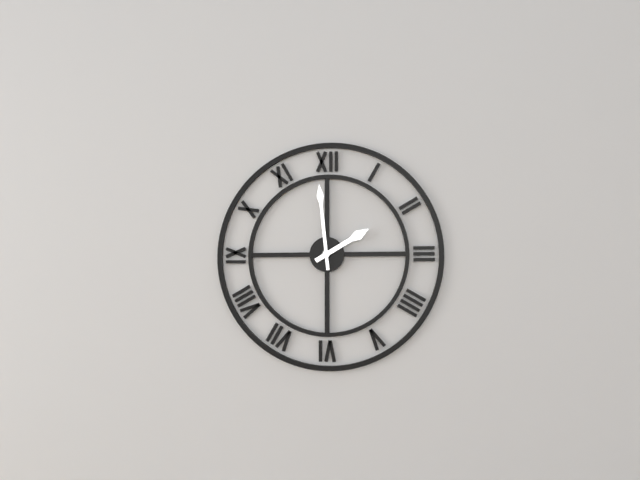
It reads 1h59
